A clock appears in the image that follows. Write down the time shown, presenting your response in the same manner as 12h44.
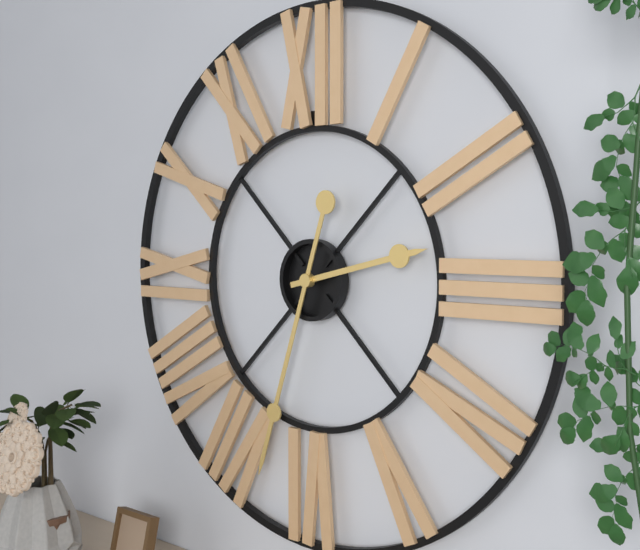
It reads 2h33
